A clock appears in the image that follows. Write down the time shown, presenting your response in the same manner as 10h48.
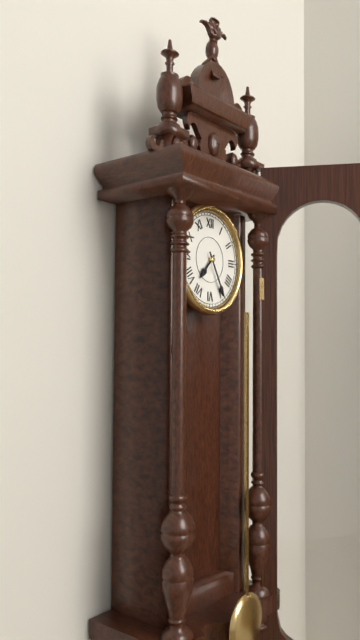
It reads 7h25
